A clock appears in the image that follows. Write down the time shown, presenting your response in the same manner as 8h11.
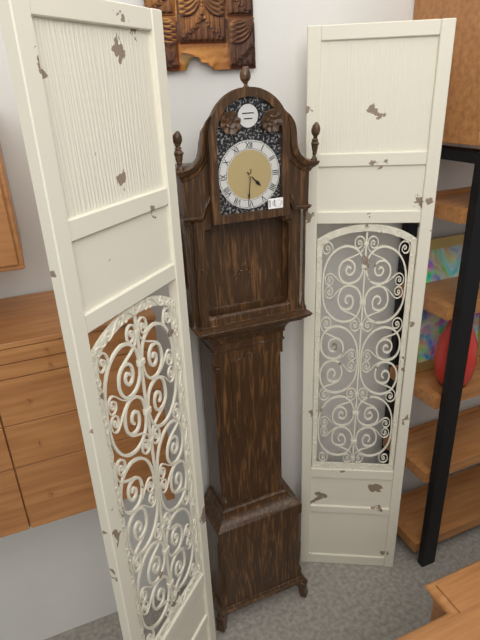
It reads 4h31
